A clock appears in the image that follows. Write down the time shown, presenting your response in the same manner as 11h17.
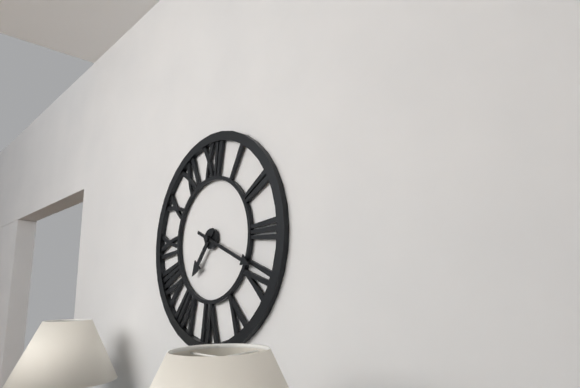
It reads 7h19
